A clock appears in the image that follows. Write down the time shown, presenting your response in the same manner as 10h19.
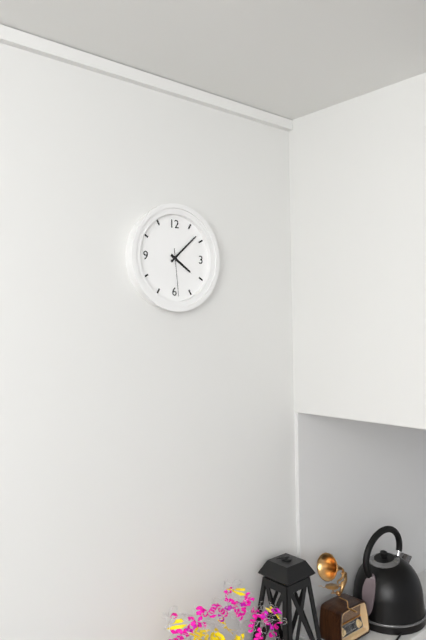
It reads 4h08
